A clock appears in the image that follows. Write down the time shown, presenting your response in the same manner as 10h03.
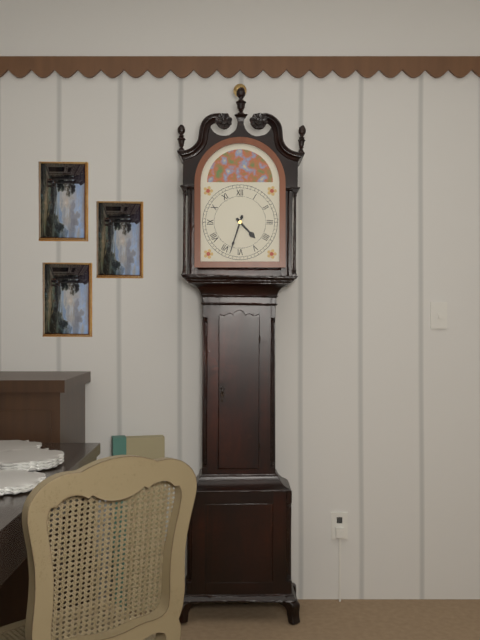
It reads 4h33
